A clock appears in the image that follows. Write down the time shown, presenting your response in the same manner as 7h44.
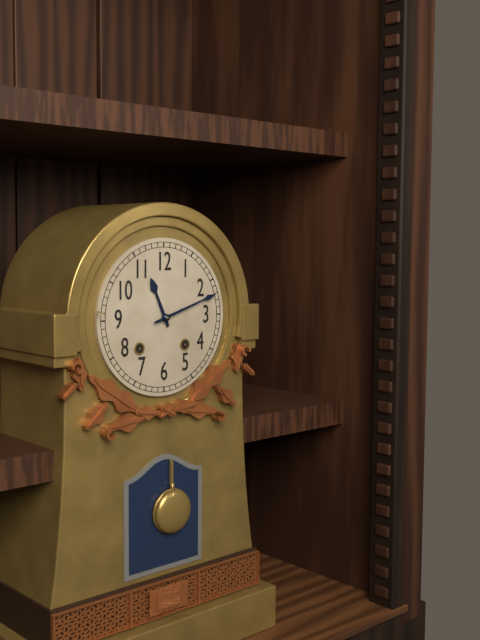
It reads 11h12
